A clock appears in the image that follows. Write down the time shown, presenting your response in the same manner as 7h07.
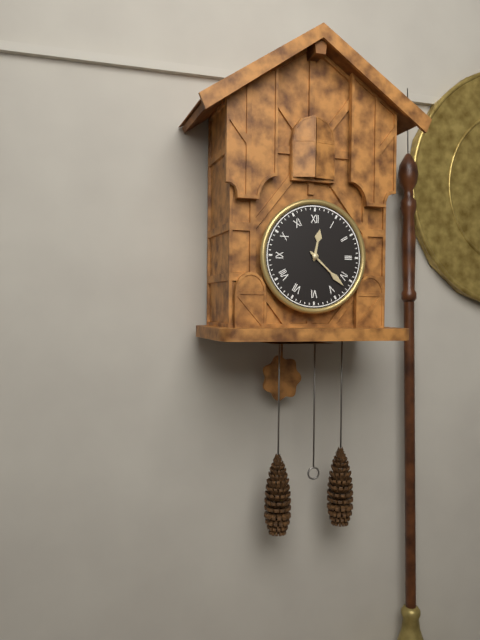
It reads 12h22
